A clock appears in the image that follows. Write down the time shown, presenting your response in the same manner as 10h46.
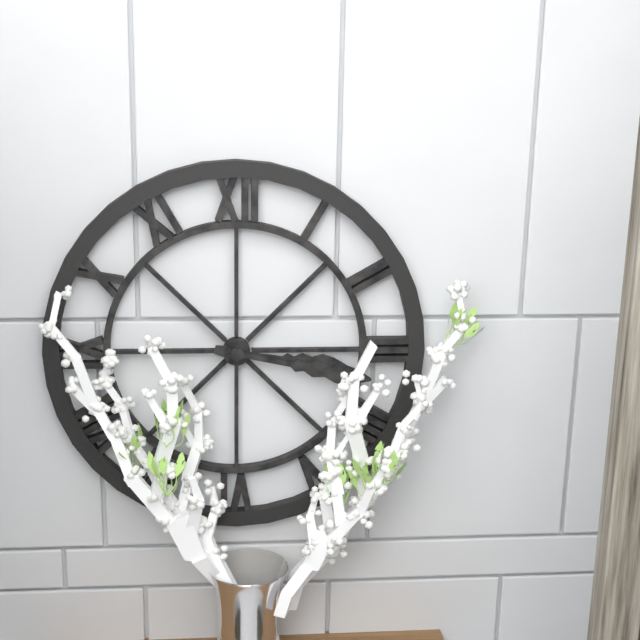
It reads 3h17
